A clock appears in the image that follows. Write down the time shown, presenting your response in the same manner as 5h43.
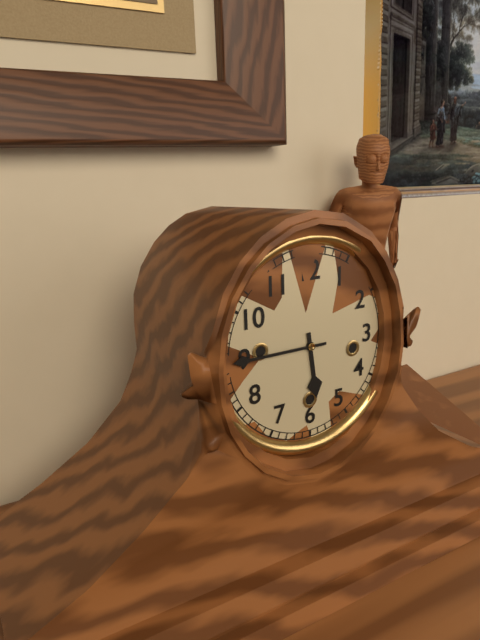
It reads 5h45
